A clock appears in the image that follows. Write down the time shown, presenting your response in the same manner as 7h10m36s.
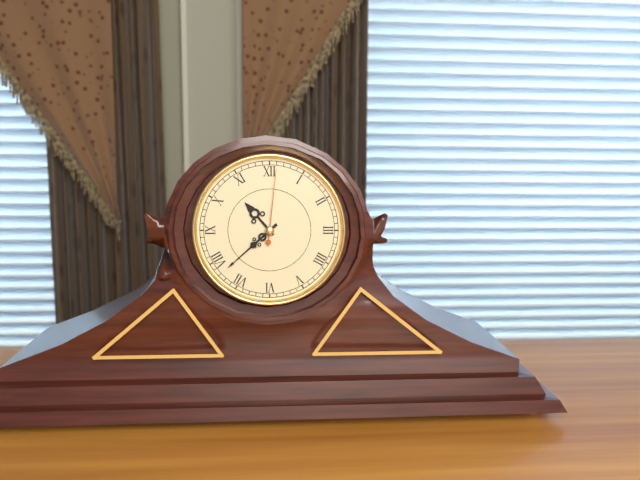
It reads 10h38m01s
